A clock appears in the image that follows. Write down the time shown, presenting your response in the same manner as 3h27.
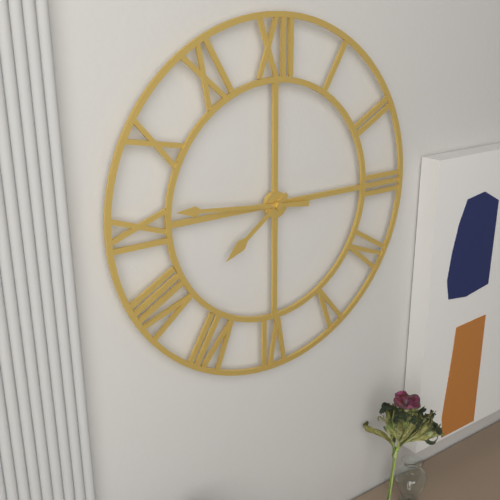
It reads 7h46
